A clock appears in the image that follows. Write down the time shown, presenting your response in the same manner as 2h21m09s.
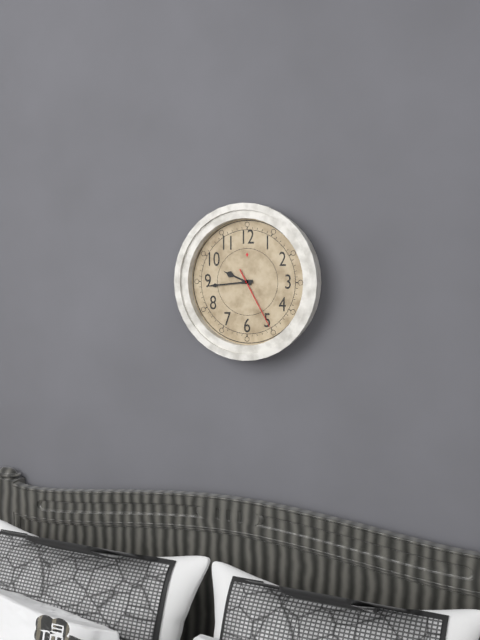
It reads 9h44m25s
